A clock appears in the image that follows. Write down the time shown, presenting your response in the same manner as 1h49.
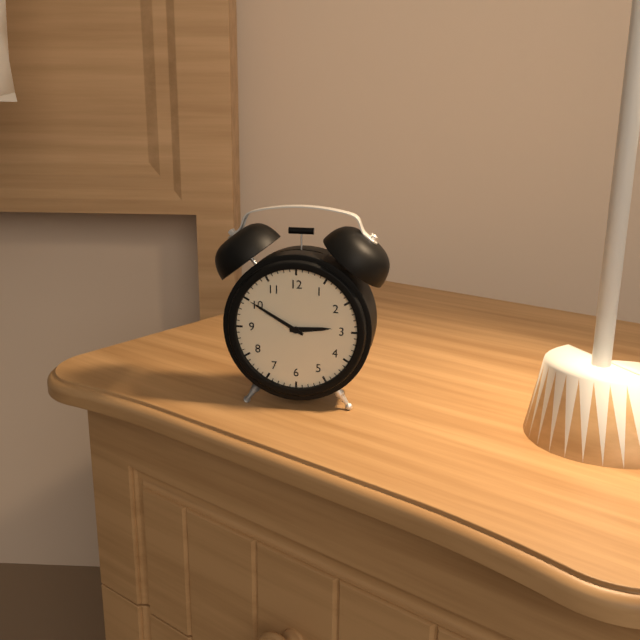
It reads 2h50
